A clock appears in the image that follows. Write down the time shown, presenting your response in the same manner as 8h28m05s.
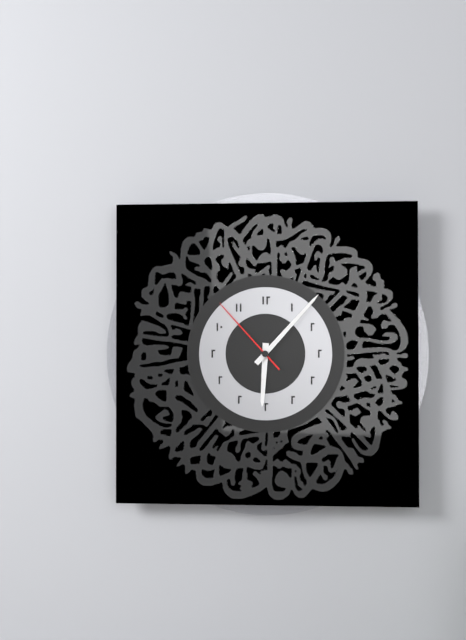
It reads 6h07m53s
